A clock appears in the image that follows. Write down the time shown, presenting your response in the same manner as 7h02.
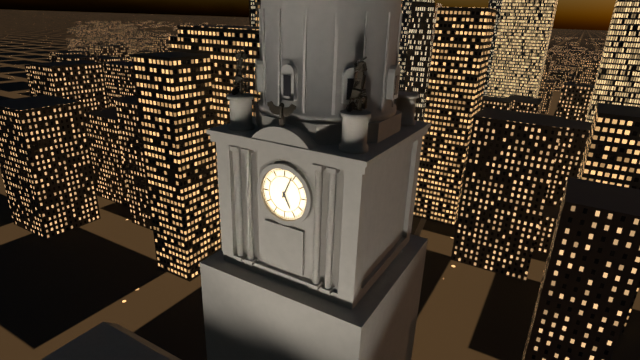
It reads 5h04
